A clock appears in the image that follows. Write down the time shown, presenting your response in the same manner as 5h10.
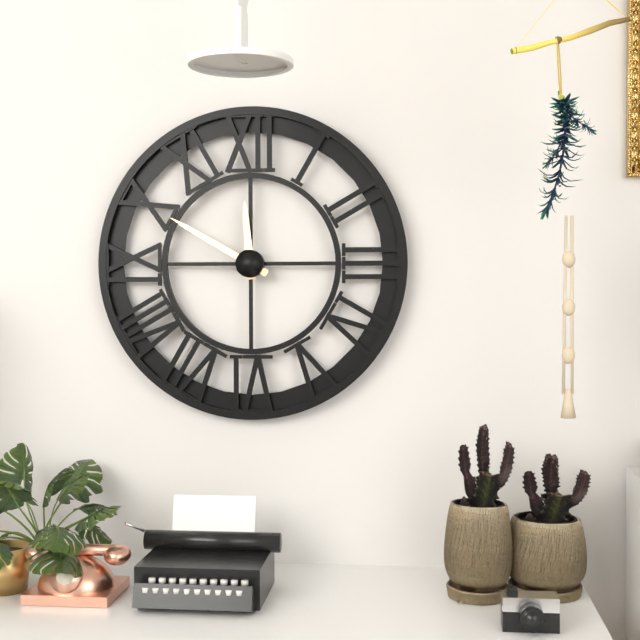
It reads 11h50
